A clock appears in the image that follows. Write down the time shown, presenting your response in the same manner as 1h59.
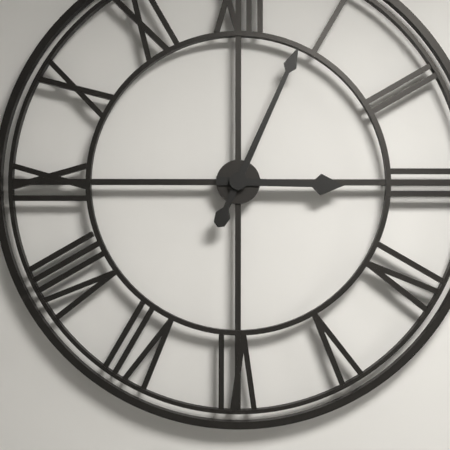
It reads 3h04
